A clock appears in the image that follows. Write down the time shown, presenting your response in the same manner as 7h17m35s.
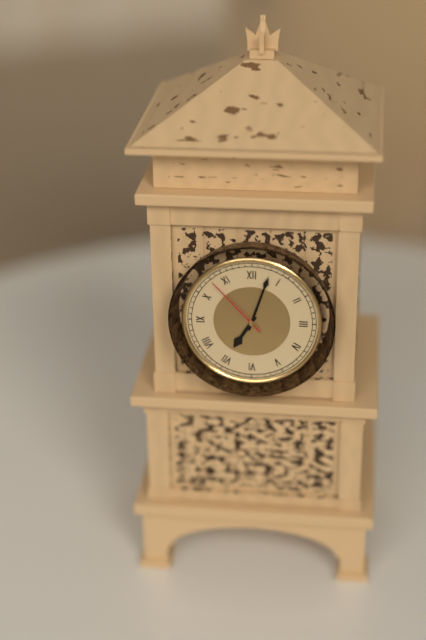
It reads 7h03m53s
